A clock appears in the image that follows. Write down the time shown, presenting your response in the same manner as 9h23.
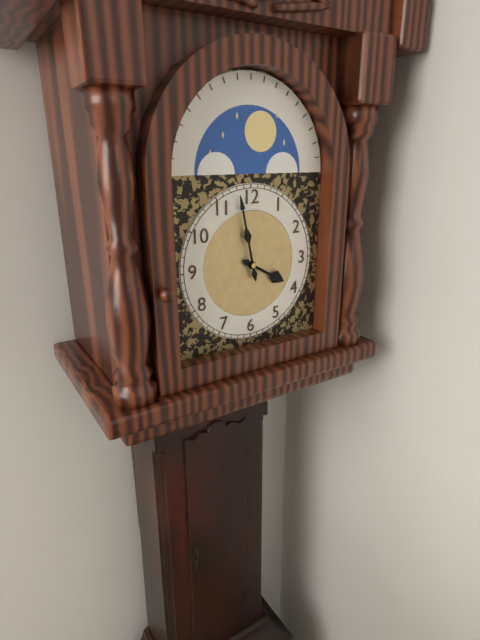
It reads 3h58
